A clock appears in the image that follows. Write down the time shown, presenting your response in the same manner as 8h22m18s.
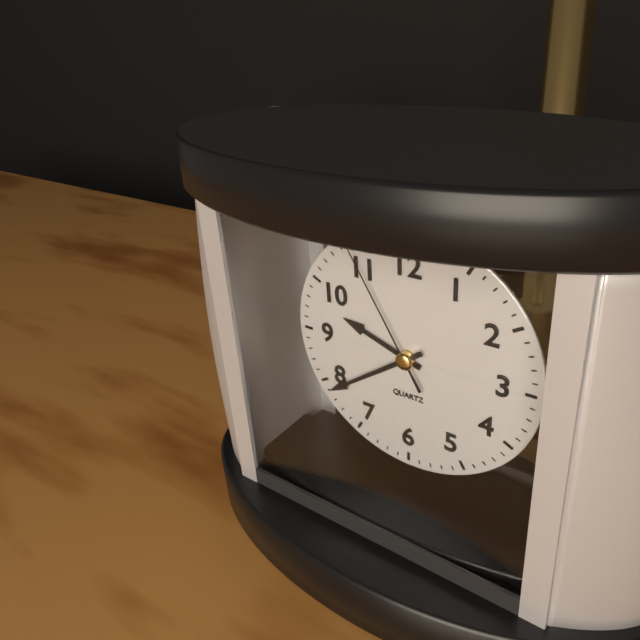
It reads 9h39m55s
